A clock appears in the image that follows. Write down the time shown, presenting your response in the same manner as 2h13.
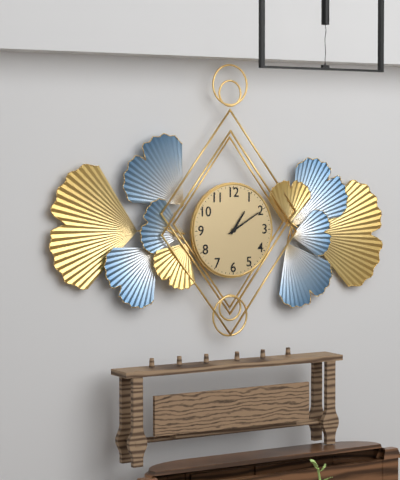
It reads 1h10
